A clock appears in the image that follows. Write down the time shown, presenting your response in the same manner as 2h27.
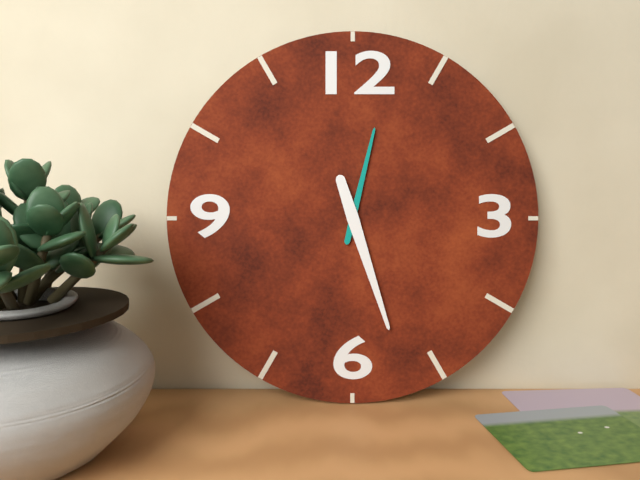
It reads 12h27
